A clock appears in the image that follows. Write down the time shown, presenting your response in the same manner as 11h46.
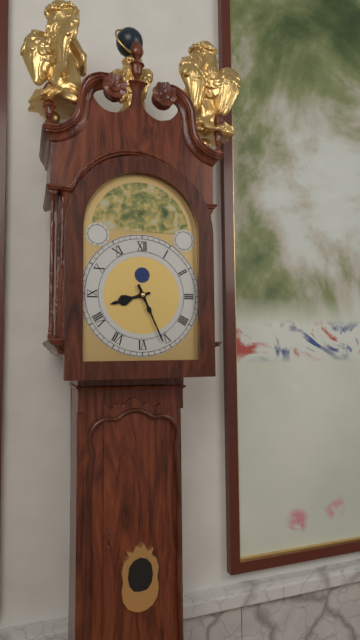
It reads 8h26
